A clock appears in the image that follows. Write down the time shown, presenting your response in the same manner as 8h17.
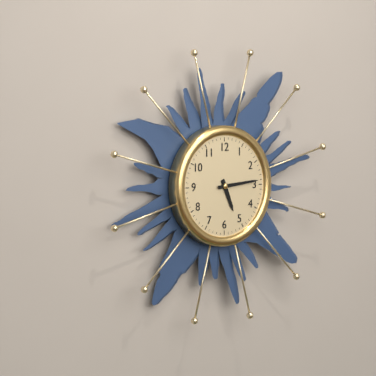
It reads 5h14
